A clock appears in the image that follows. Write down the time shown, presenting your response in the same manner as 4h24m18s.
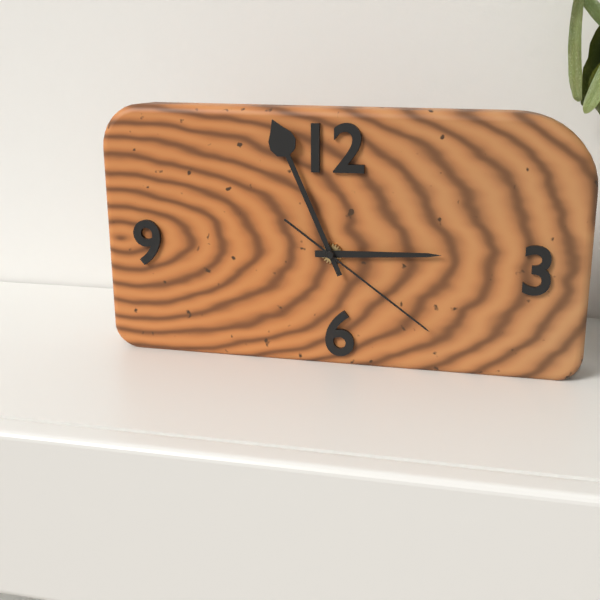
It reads 2h56m21s
